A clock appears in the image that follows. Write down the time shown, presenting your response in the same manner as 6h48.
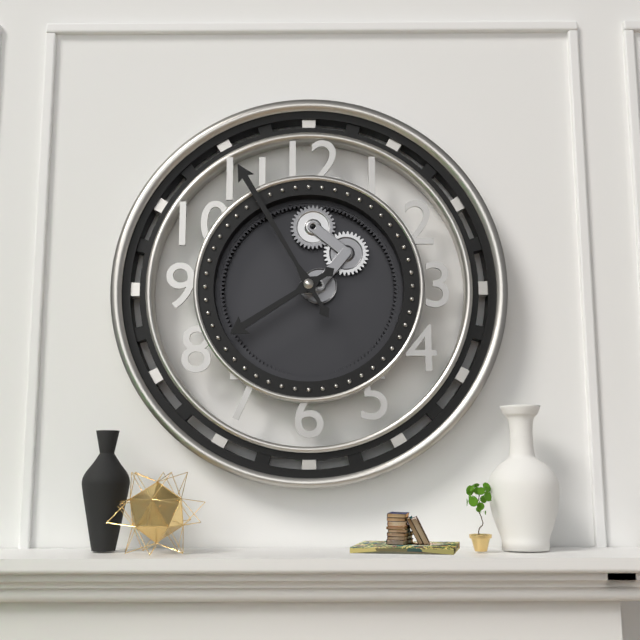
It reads 7h55
